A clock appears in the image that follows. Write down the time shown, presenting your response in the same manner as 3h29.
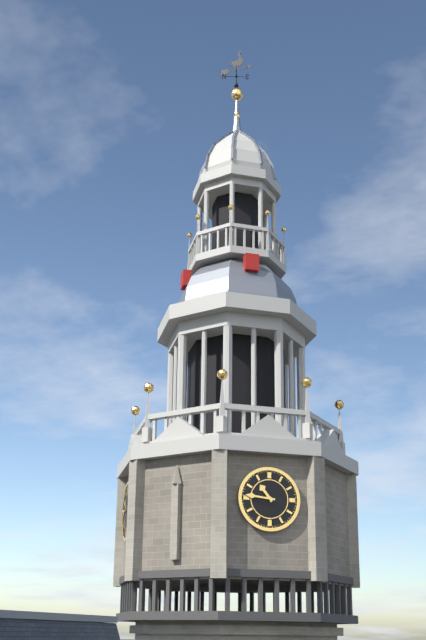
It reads 10h46
